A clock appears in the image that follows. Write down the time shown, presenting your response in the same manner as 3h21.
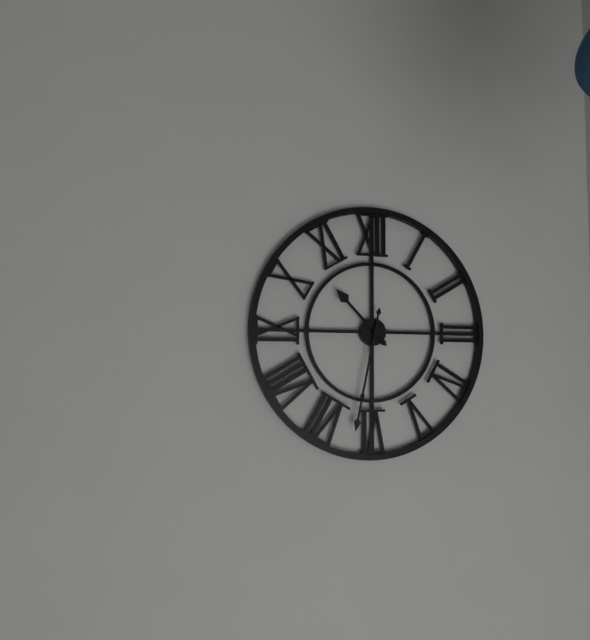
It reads 10h32
